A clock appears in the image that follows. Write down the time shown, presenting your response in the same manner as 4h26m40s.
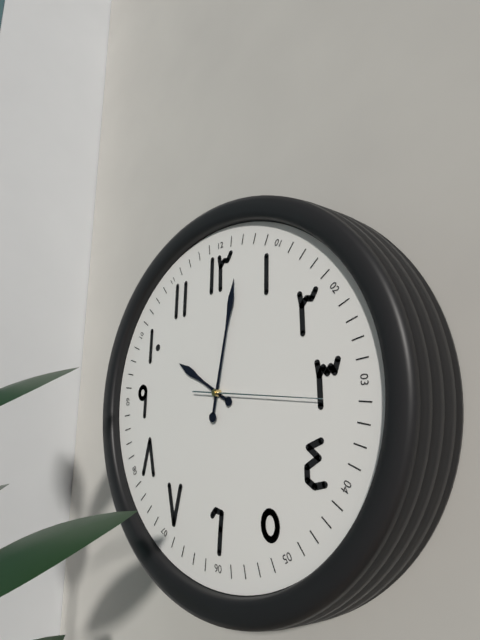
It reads 10h02m16s
